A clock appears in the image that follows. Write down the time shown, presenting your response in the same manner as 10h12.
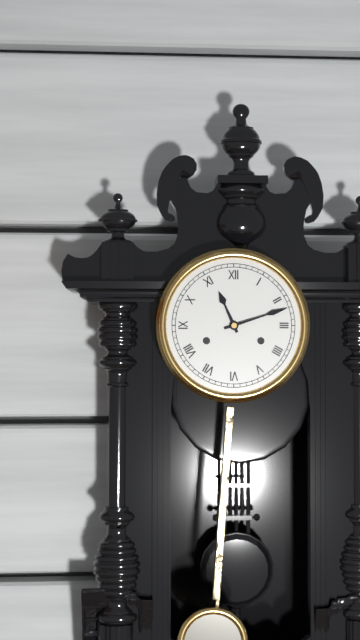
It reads 11h12
